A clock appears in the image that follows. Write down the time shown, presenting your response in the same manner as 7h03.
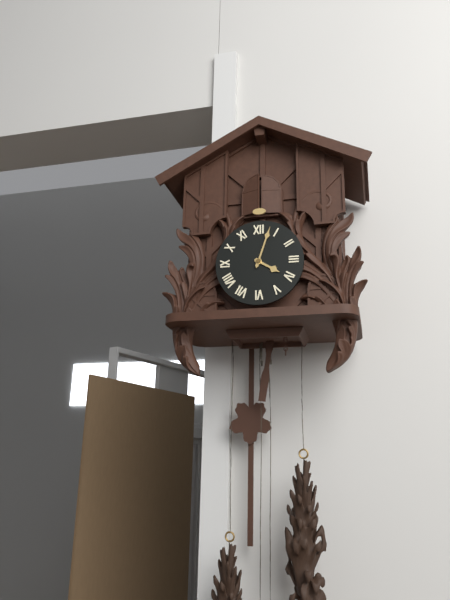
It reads 4h03
